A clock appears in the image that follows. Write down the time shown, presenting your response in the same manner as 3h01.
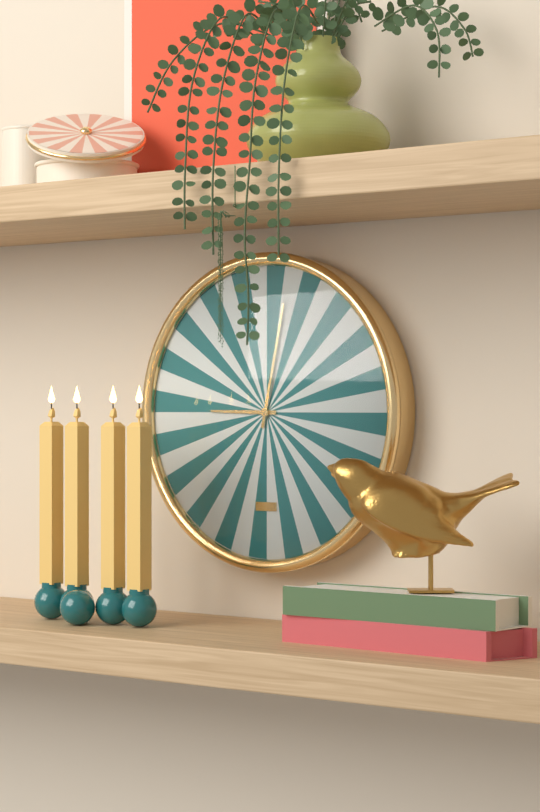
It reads 9h02
